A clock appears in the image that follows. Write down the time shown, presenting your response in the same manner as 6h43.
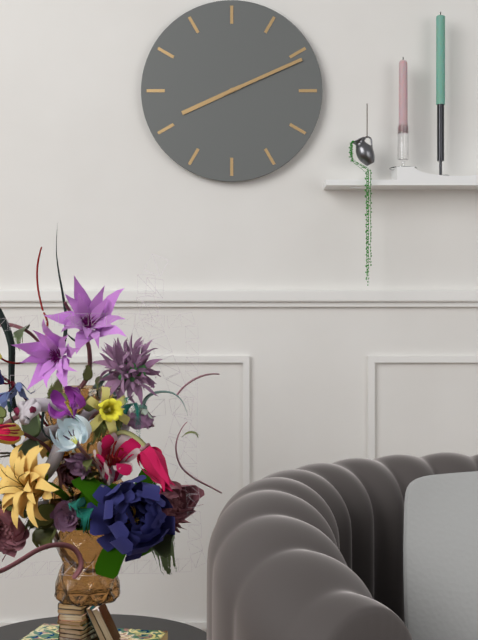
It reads 8h11
